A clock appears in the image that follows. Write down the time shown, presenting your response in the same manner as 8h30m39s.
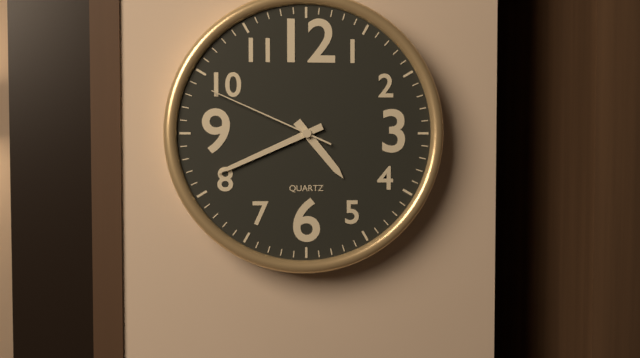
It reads 4h41m49s
